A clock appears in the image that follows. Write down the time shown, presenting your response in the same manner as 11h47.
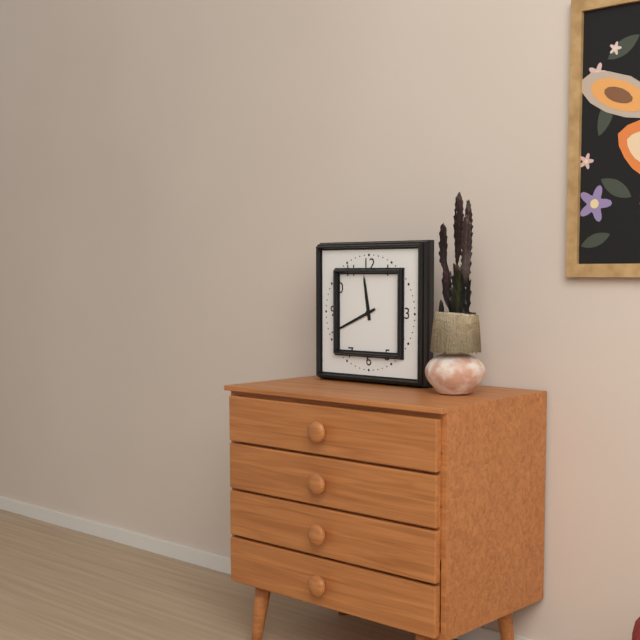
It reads 11h41
